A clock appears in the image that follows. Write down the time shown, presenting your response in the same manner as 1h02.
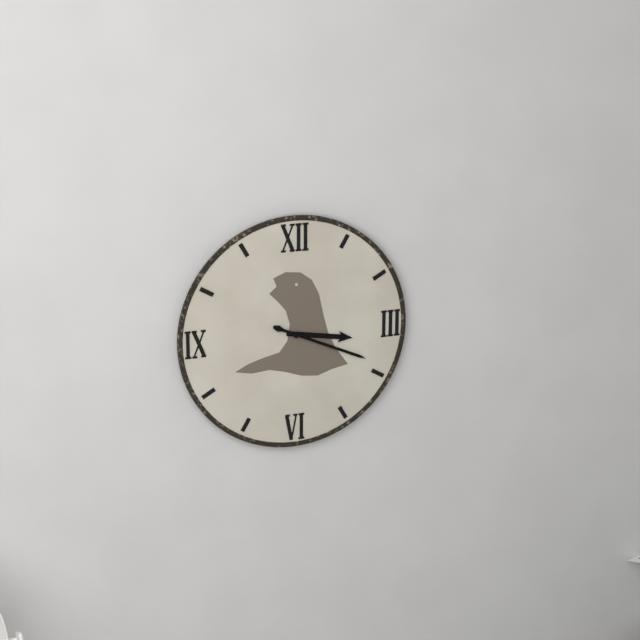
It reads 3h19
